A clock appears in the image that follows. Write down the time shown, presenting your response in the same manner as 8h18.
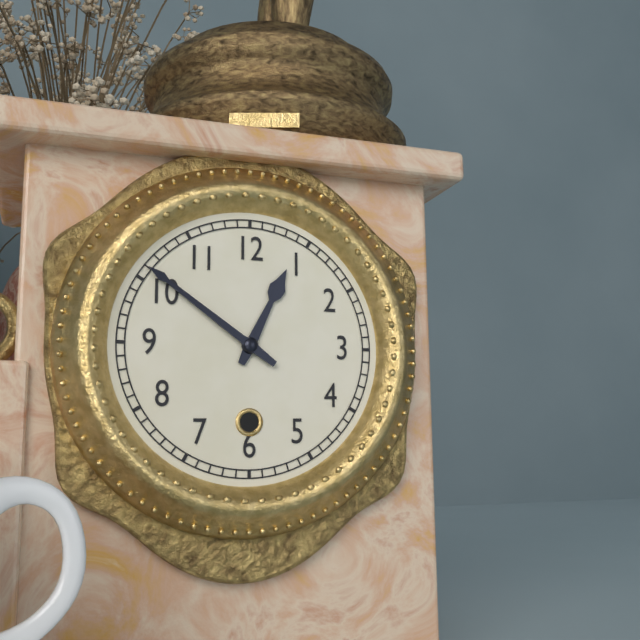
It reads 12h51
